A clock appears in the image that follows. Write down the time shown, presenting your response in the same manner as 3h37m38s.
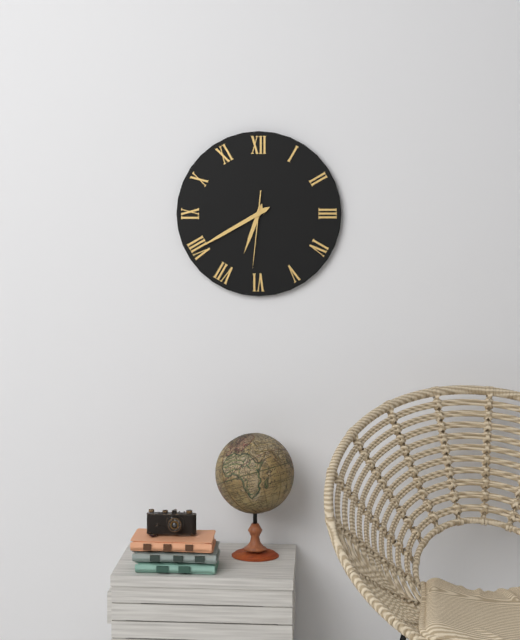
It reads 6h40m31s
